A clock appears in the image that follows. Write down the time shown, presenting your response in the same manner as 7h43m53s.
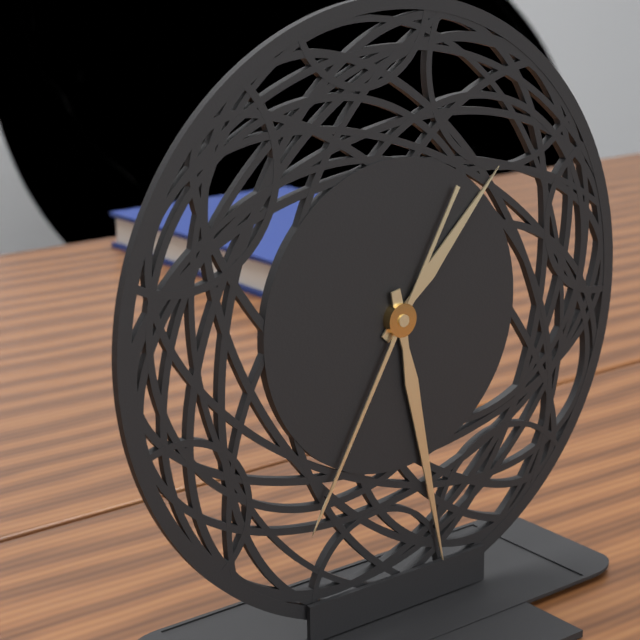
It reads 1h28m35s
